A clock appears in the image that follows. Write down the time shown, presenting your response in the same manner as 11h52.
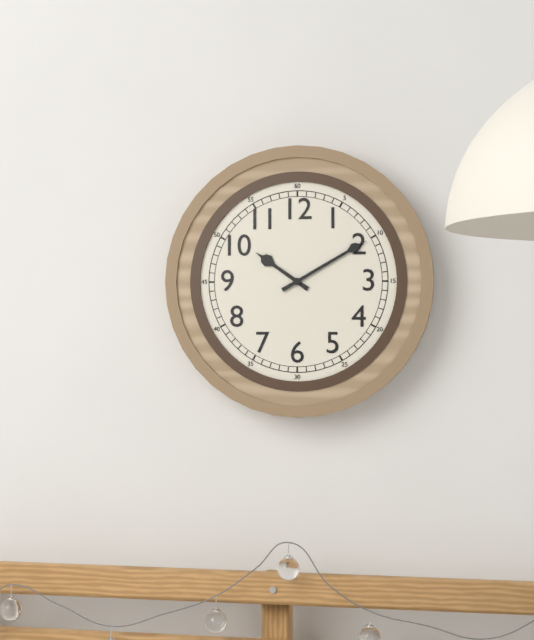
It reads 10h10
